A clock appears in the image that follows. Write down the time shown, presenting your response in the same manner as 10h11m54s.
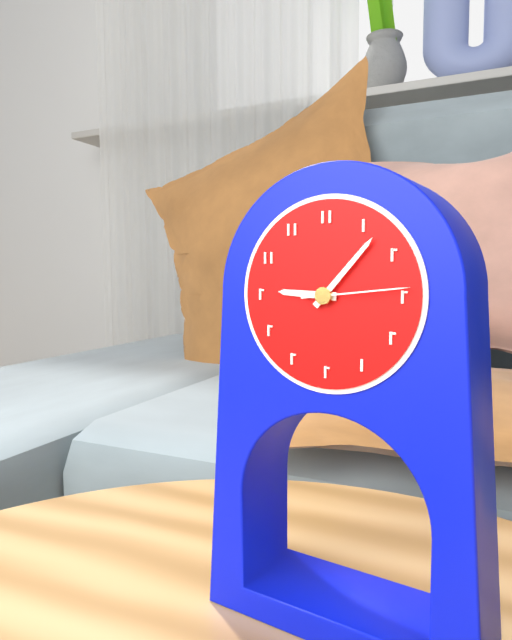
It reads 9h07m14s
